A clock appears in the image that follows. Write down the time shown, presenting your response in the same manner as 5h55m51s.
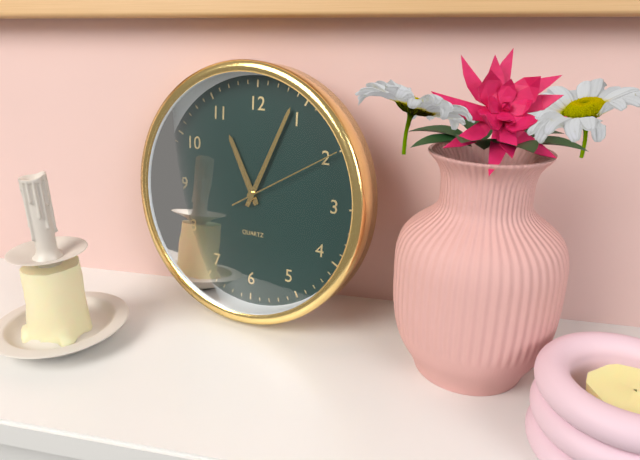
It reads 11h04m10s
